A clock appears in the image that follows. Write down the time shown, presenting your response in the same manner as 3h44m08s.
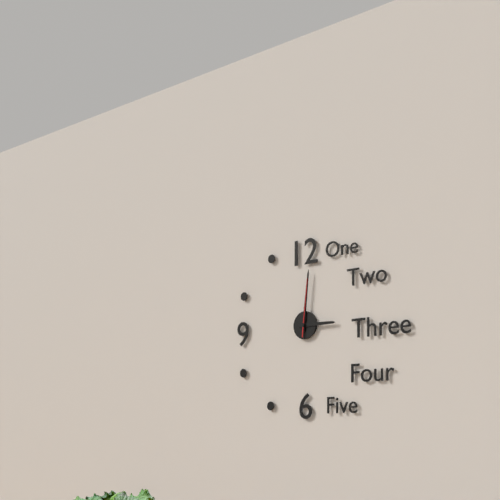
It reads 3h01m01s
